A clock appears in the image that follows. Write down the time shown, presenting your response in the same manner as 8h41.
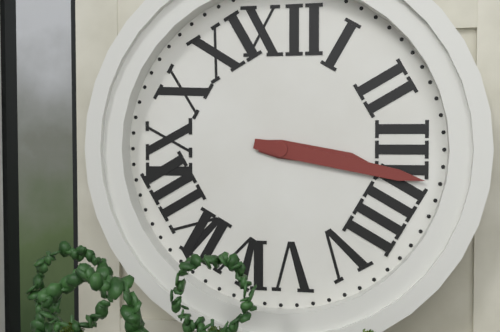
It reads 3h17
